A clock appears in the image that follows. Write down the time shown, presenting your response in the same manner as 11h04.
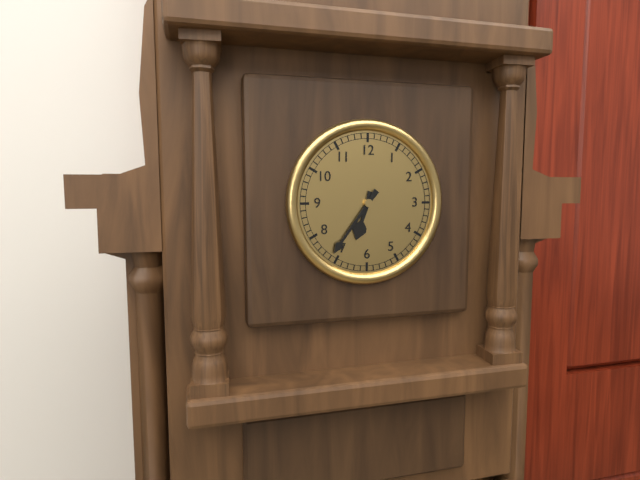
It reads 6h36
